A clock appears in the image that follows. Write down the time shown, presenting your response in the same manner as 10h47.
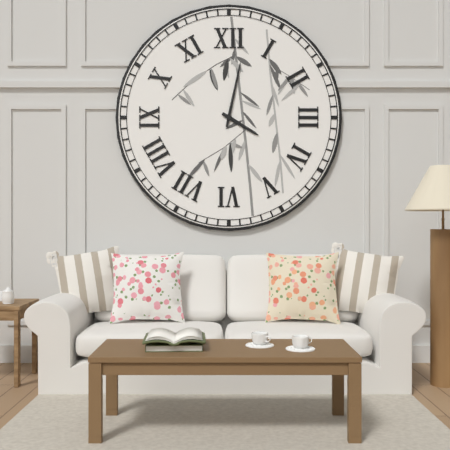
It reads 4h02
